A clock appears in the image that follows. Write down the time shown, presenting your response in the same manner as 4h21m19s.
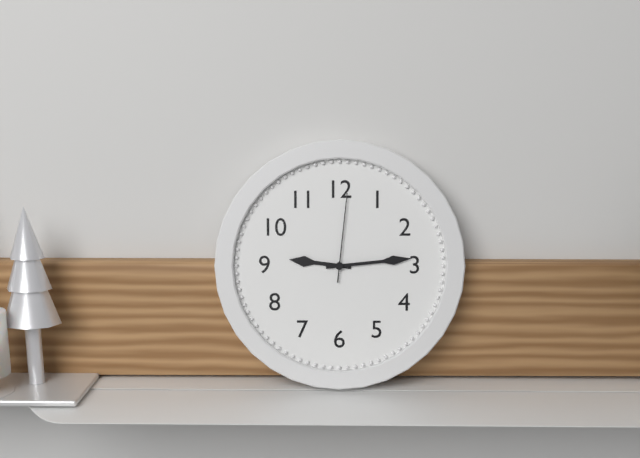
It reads 9h14m01s
